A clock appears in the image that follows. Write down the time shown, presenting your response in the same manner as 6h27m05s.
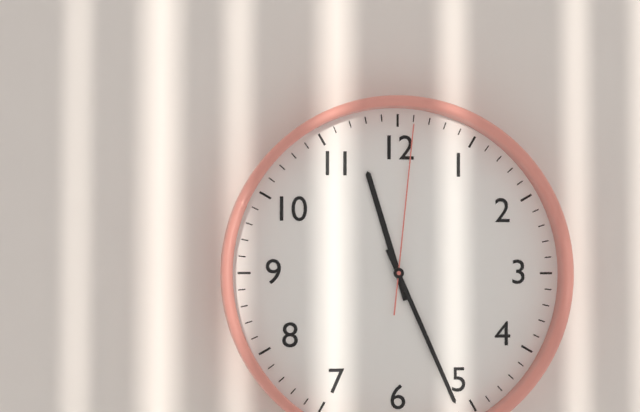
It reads 11h26m01s
